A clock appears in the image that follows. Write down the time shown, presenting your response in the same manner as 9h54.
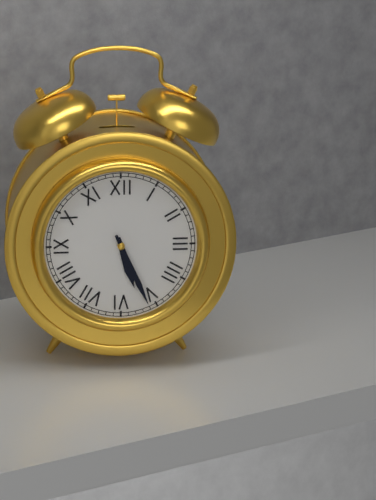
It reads 5h26
